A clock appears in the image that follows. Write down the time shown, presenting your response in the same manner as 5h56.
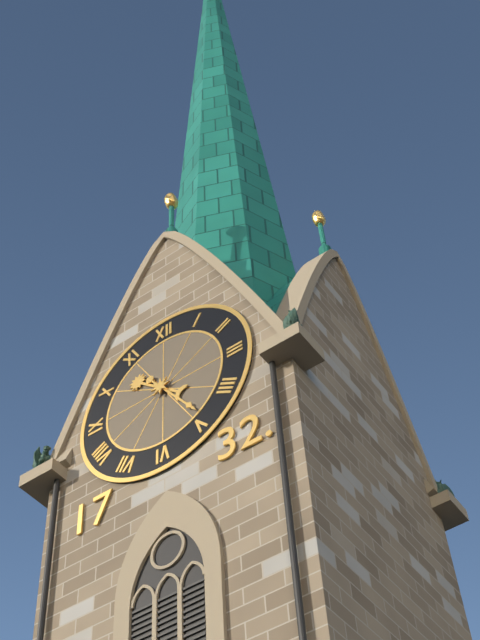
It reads 10h24
